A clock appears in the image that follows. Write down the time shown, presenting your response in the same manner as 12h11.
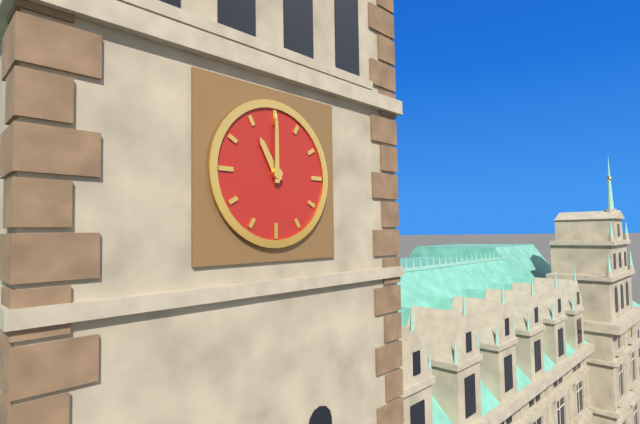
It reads 11h00
